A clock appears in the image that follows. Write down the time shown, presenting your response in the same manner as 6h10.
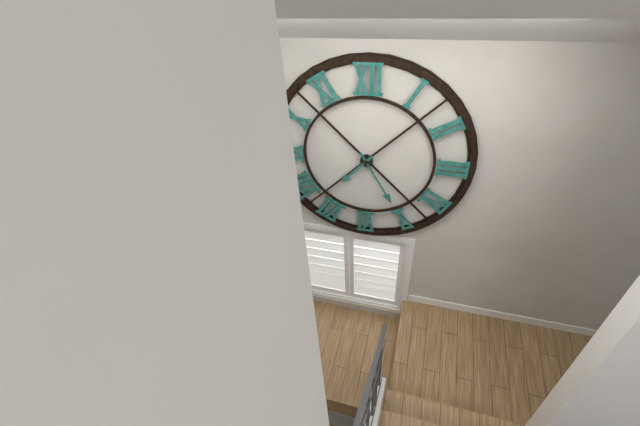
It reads 7h25
